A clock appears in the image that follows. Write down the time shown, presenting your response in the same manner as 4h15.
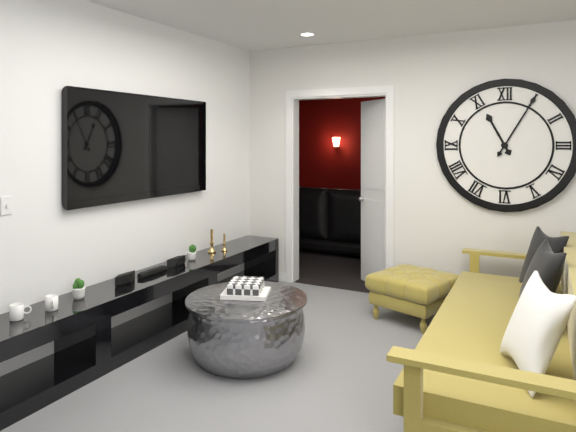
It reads 11h05
